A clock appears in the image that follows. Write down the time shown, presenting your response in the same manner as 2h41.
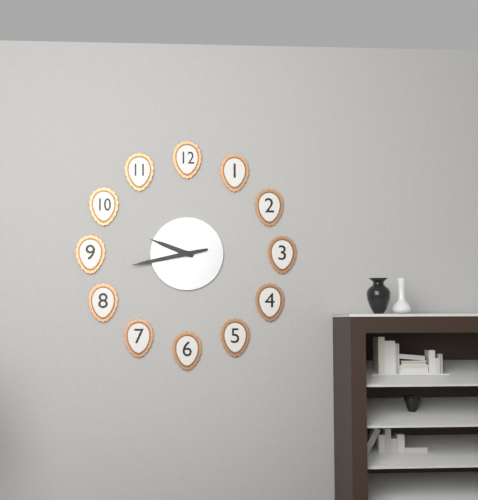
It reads 9h43
